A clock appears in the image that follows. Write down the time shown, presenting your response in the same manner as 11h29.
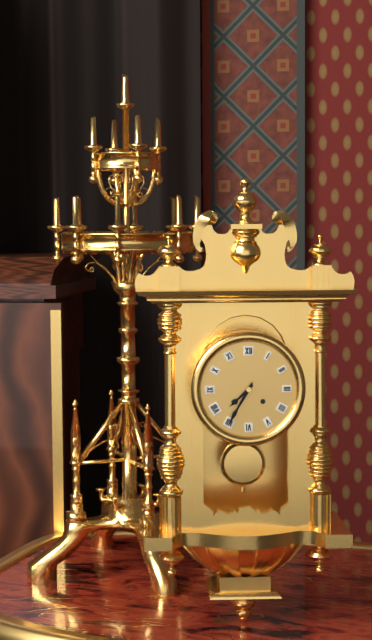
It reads 7h35
